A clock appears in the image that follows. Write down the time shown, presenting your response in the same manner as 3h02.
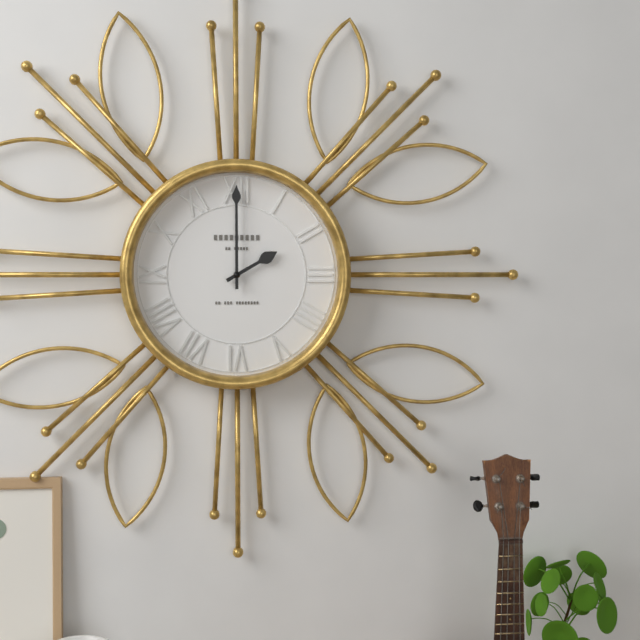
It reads 2h00
